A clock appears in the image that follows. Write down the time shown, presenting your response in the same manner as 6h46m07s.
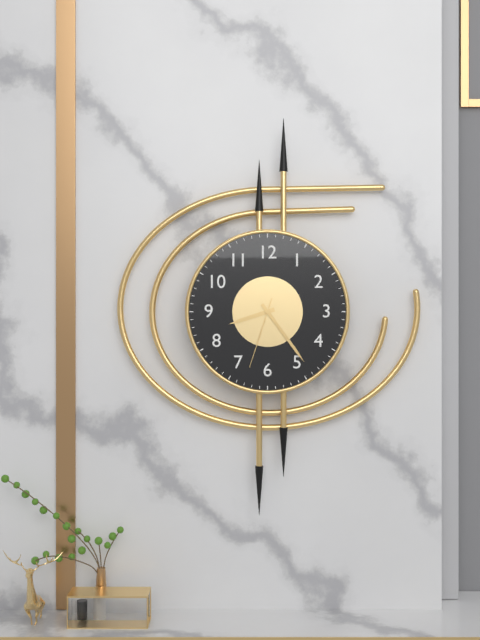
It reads 8h24m33s
